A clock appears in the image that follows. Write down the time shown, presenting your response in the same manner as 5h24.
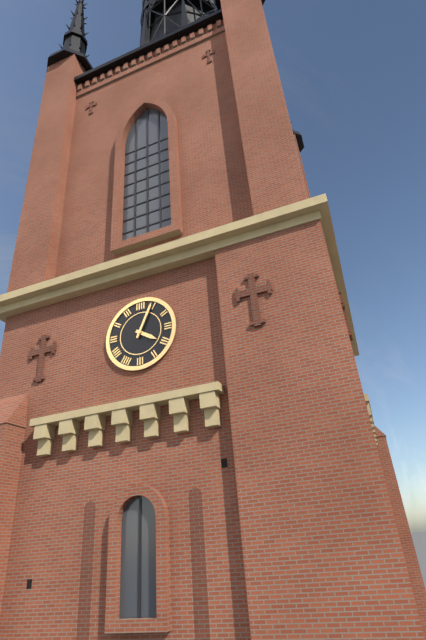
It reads 4h04
